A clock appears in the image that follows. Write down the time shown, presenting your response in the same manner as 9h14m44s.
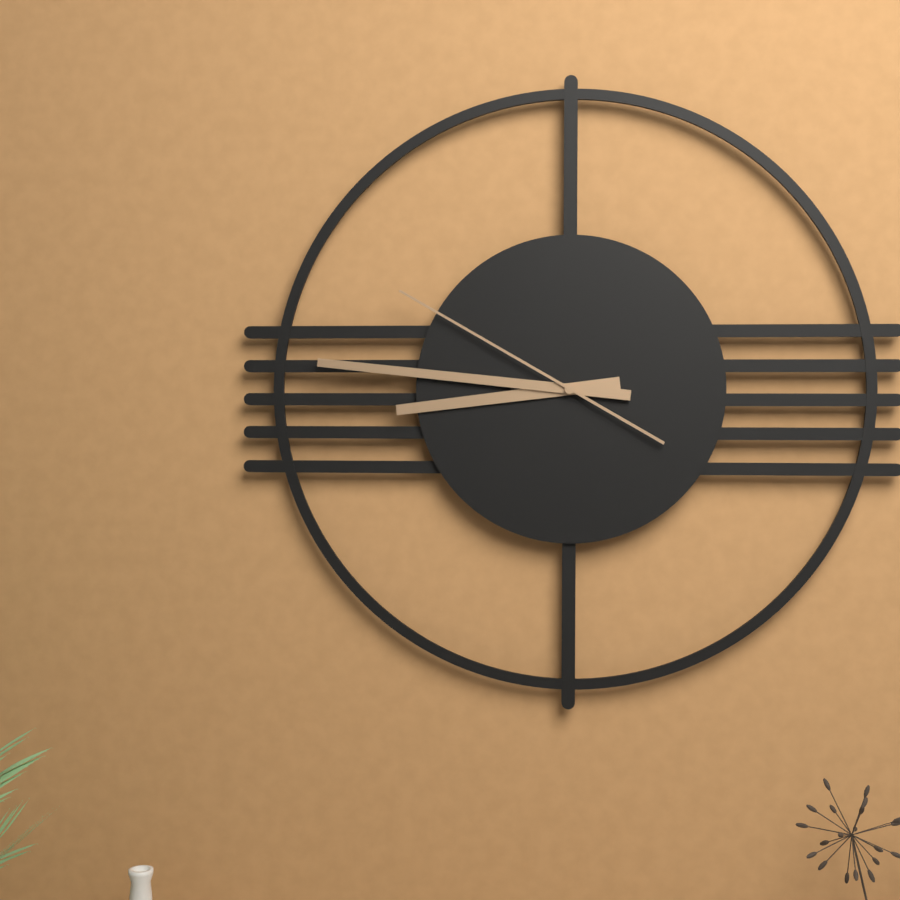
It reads 8h46m50s
